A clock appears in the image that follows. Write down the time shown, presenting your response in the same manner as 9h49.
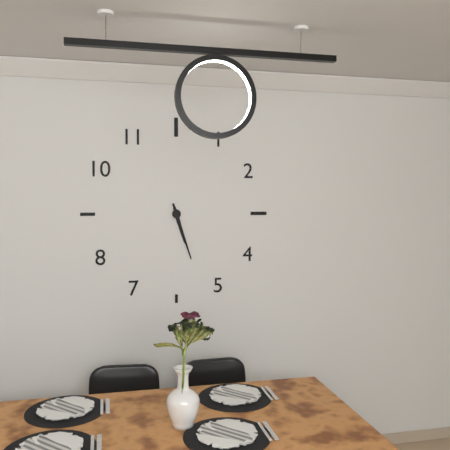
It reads 5h27
